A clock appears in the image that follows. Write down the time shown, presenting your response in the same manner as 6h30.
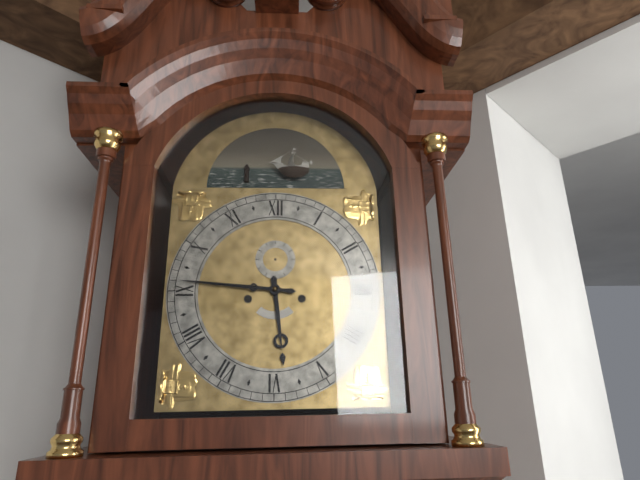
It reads 5h46
